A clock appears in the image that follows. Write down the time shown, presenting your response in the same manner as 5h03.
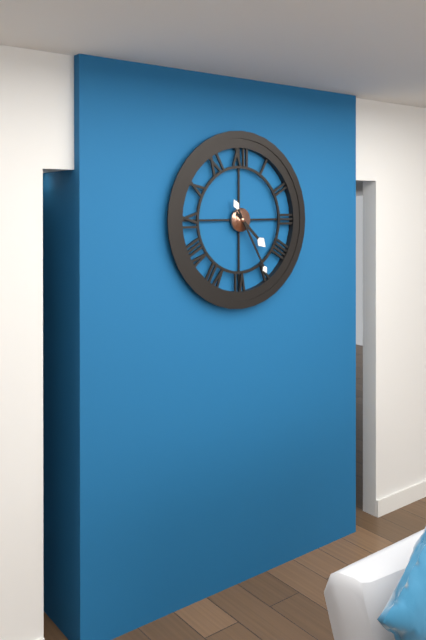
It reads 4h25
